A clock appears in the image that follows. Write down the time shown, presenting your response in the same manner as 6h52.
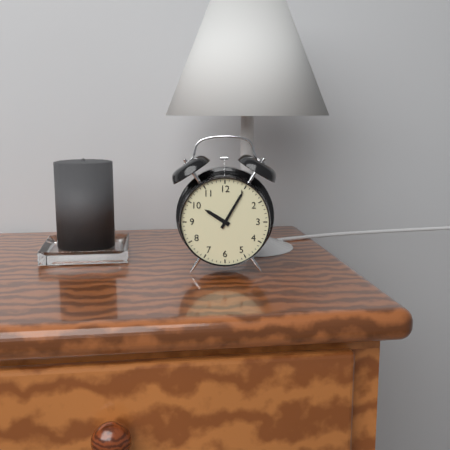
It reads 10h05
